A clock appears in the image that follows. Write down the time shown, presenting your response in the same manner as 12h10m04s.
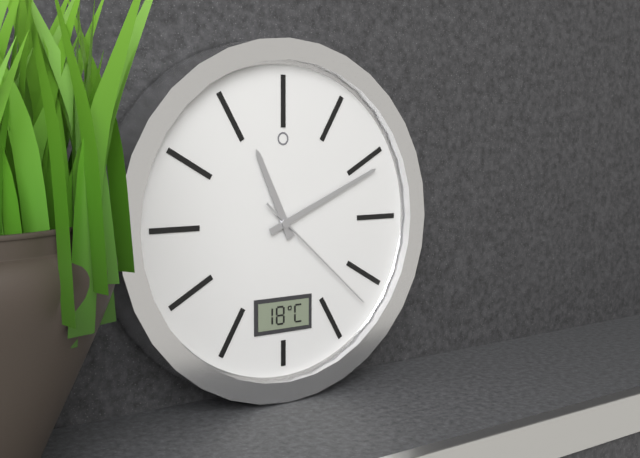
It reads 11h11m22s
